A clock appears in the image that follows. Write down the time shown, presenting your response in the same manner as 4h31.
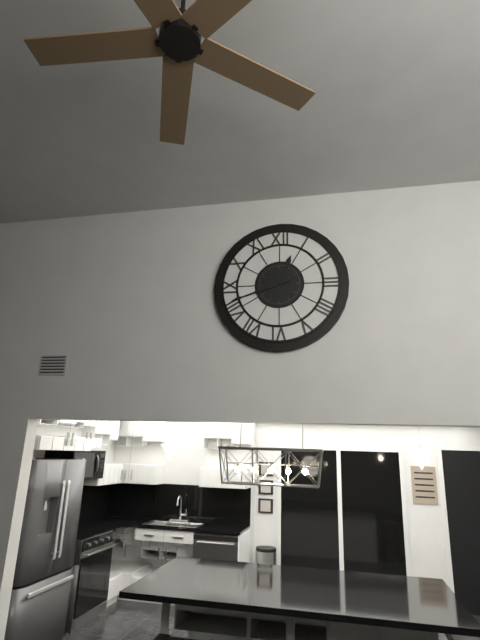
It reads 12h42
